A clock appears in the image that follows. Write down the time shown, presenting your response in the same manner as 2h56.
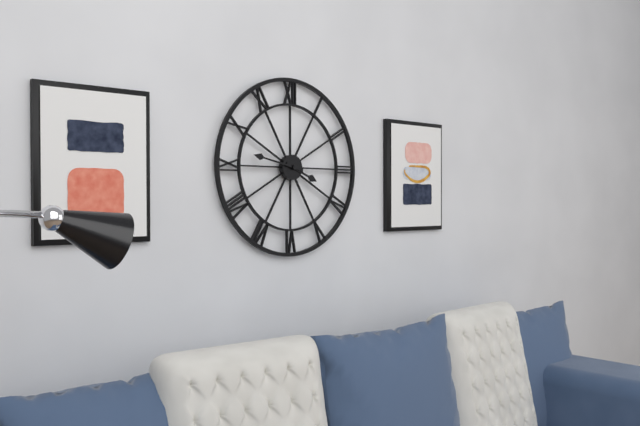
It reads 3h47
